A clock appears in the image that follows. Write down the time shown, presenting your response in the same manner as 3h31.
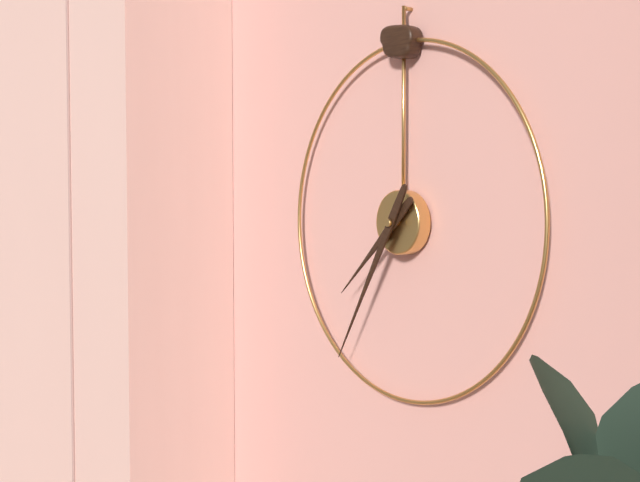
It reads 7h35
